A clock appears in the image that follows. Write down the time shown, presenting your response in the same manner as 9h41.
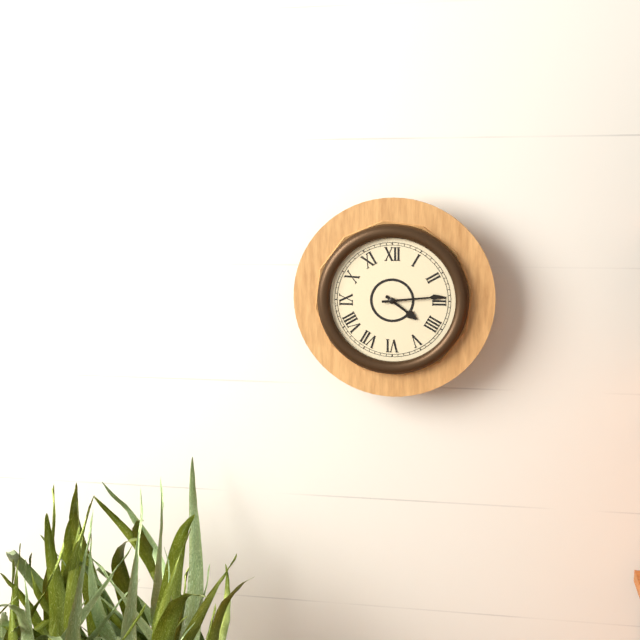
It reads 4h14
